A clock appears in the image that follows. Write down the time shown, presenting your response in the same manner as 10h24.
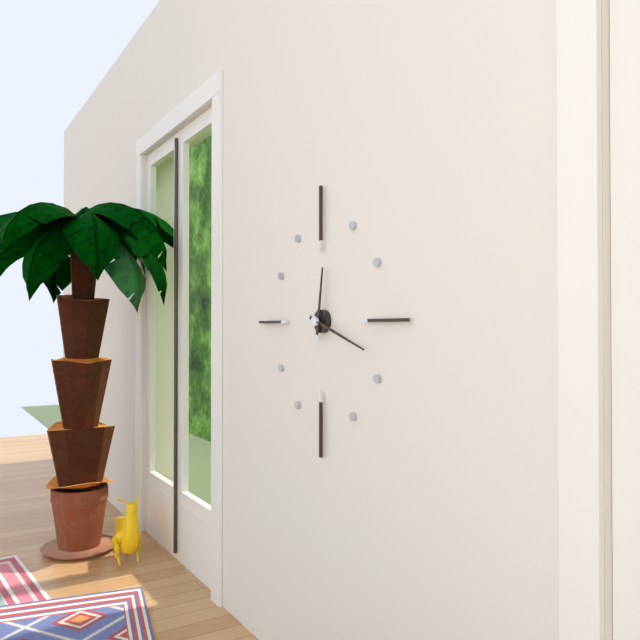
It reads 12h18
